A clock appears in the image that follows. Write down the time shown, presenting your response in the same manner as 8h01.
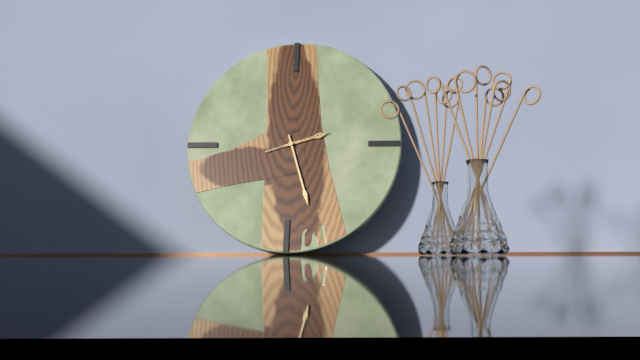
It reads 2h27
